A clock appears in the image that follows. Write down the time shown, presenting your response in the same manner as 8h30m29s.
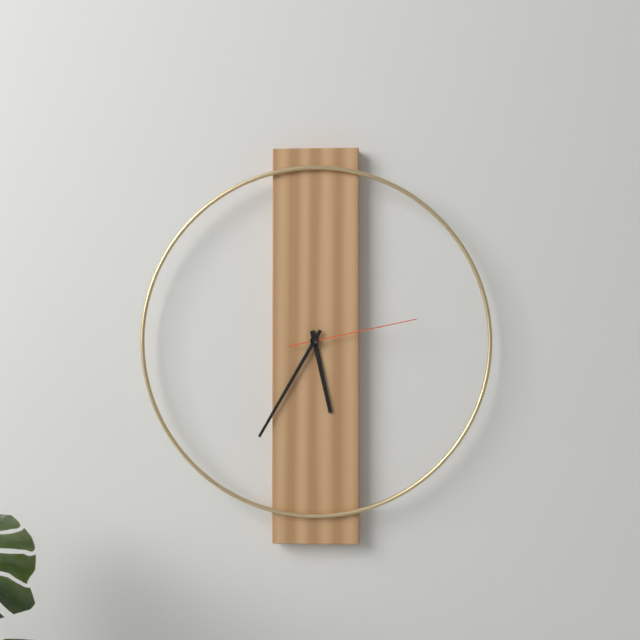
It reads 5h35m13s
